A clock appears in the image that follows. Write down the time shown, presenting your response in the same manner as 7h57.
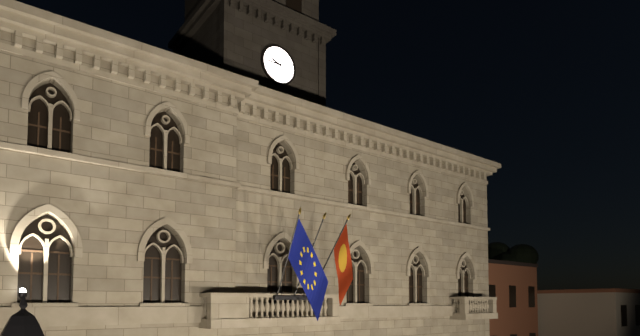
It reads 9h45
